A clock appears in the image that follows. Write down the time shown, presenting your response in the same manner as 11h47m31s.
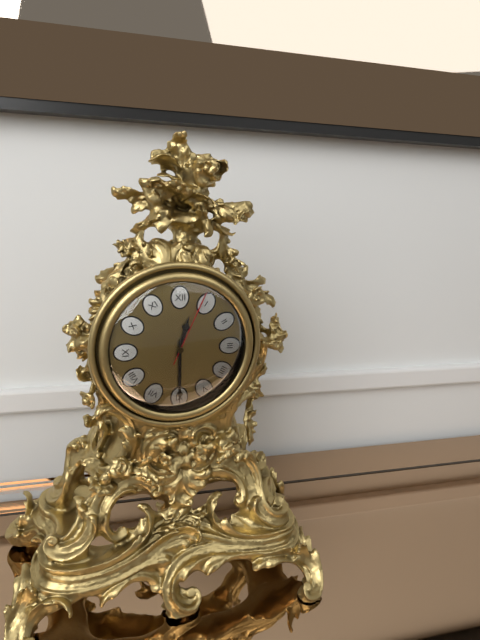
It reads 12h30m04s
